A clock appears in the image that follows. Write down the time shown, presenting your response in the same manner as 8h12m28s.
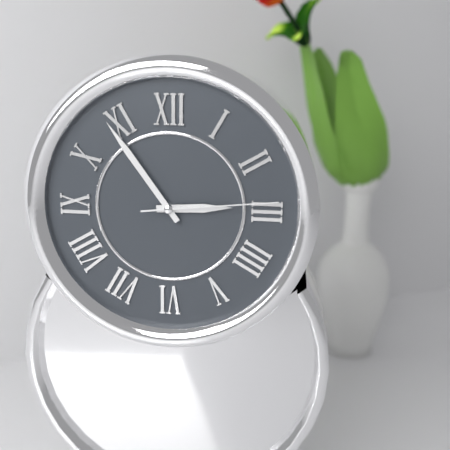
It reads 2h54m14s
